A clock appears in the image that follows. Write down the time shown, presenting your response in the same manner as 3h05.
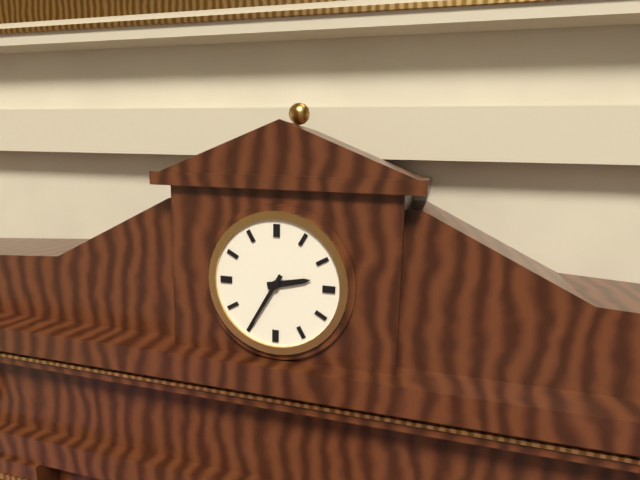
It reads 2h35
